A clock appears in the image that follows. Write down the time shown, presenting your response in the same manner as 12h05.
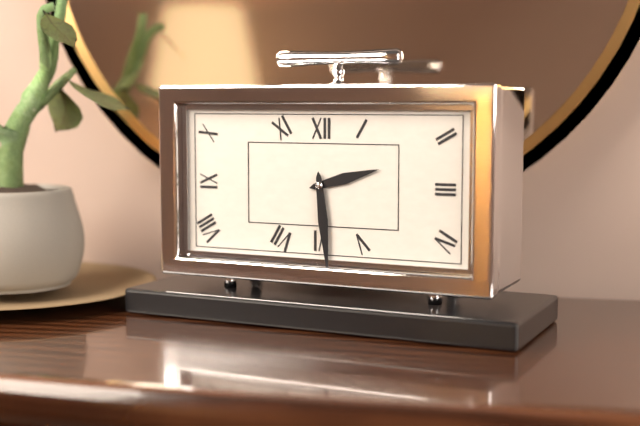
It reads 2h29
